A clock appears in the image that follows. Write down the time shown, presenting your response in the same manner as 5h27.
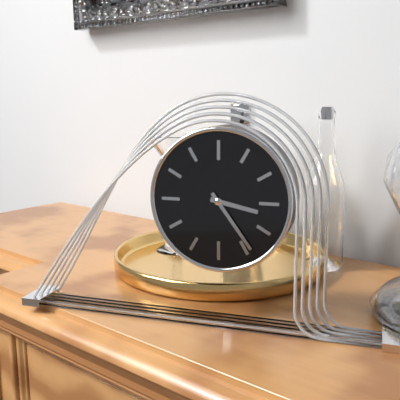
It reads 3h24
